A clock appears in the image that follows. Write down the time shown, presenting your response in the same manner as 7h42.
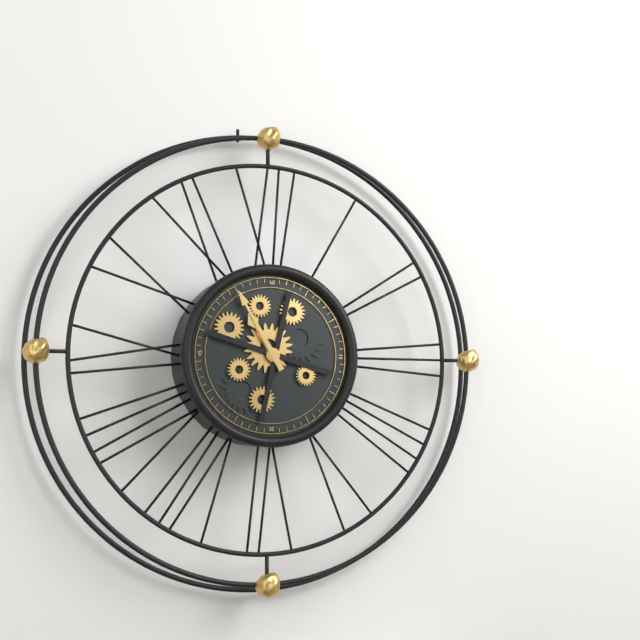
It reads 10h55
